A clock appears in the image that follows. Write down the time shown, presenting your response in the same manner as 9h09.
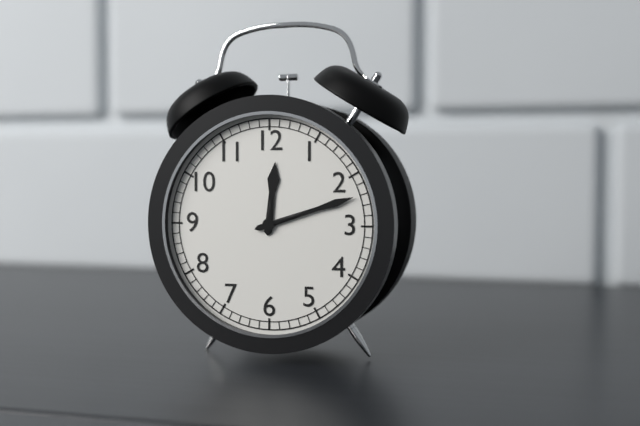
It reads 12h12
